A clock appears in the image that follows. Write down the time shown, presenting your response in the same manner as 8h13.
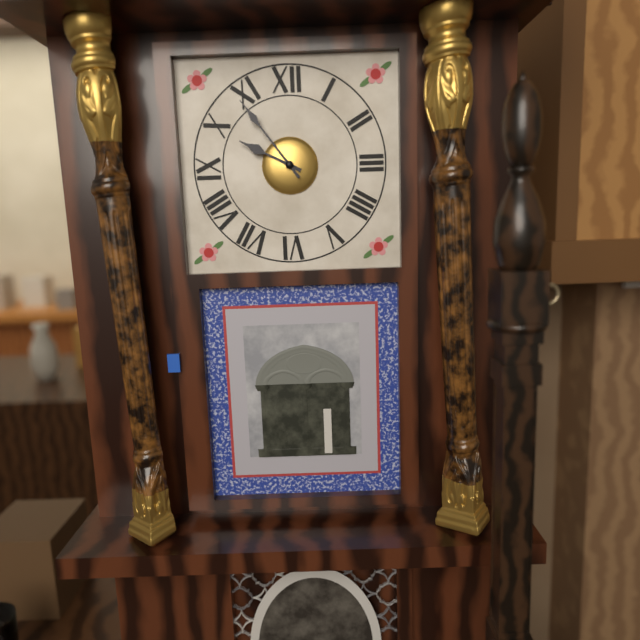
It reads 9h54
